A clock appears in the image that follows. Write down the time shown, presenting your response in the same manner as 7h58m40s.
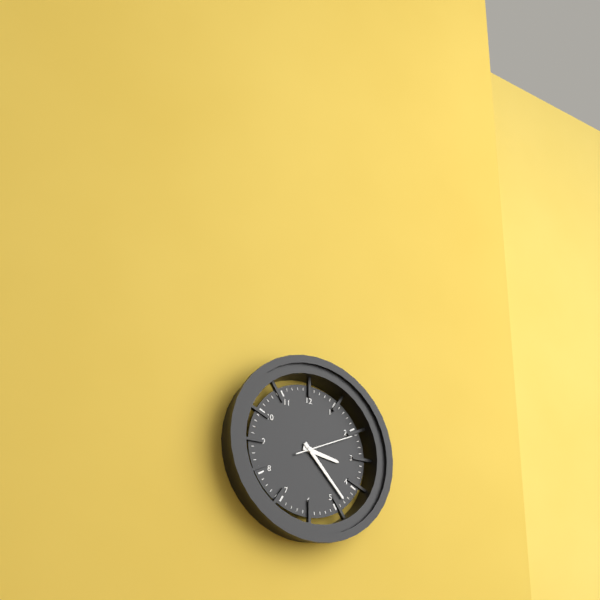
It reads 3h23m11s
